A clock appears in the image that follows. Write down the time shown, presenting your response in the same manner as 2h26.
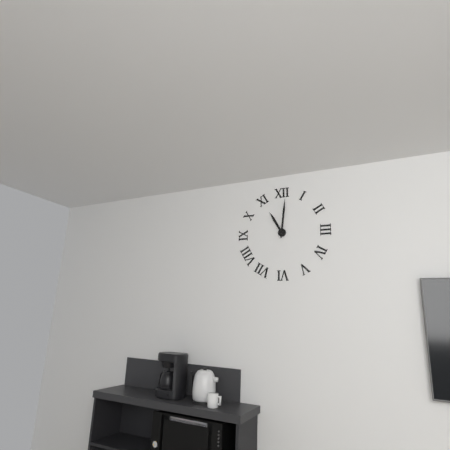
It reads 11h01
